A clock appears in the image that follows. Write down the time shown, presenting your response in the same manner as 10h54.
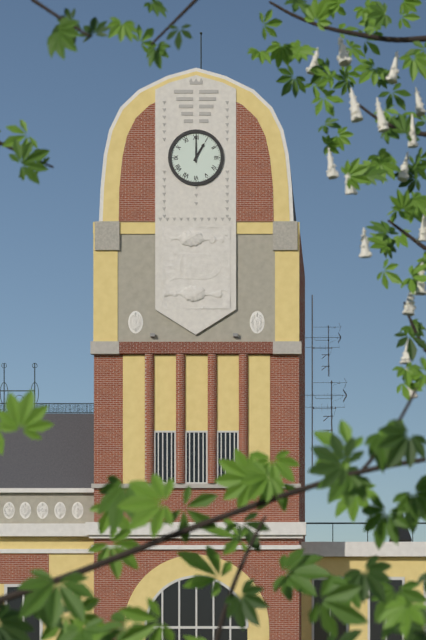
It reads 1h00
